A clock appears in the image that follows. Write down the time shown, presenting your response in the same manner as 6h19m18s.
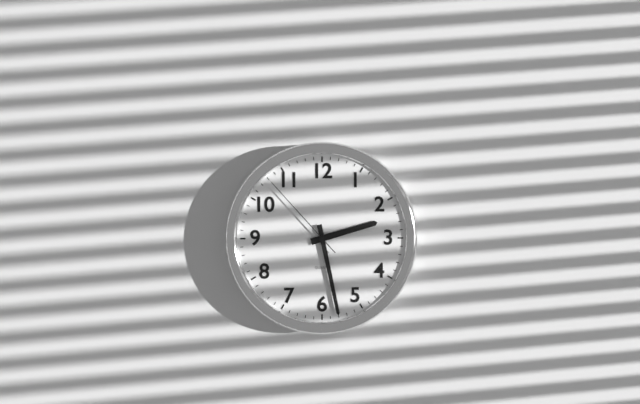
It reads 2h28m53s
